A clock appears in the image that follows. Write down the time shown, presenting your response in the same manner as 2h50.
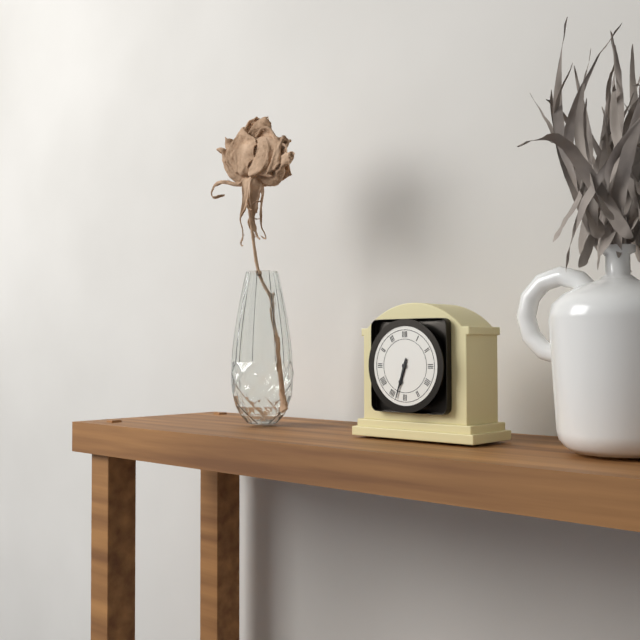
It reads 6h33
